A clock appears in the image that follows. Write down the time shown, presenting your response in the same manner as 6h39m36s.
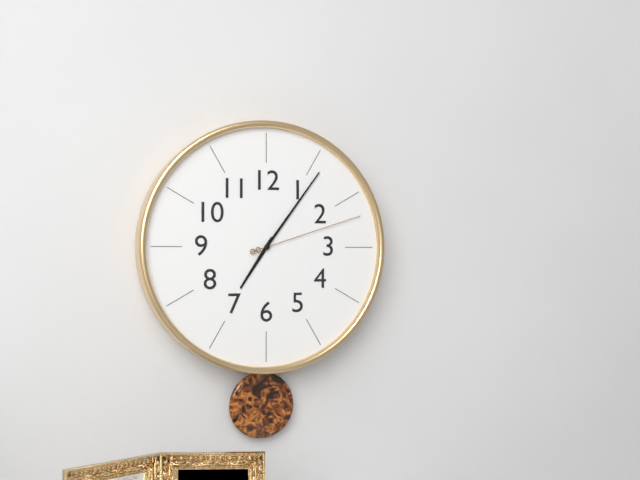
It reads 7h06m12s
